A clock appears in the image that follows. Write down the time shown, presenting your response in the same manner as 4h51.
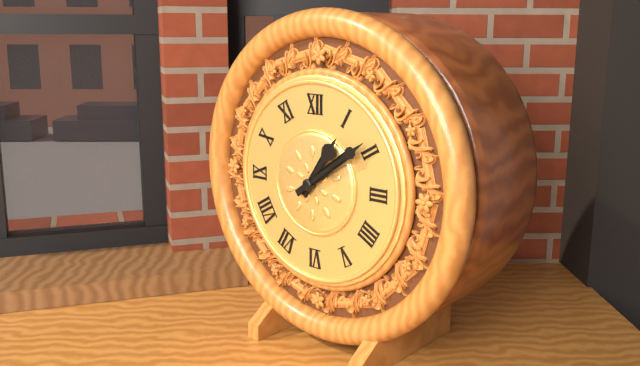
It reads 1h09
